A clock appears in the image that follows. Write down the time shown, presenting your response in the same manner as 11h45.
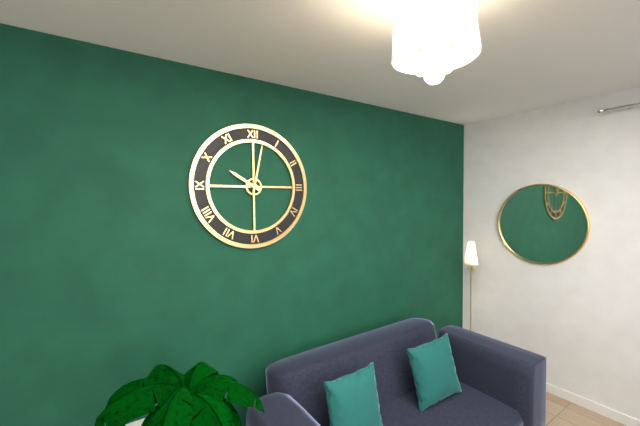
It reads 10h02
